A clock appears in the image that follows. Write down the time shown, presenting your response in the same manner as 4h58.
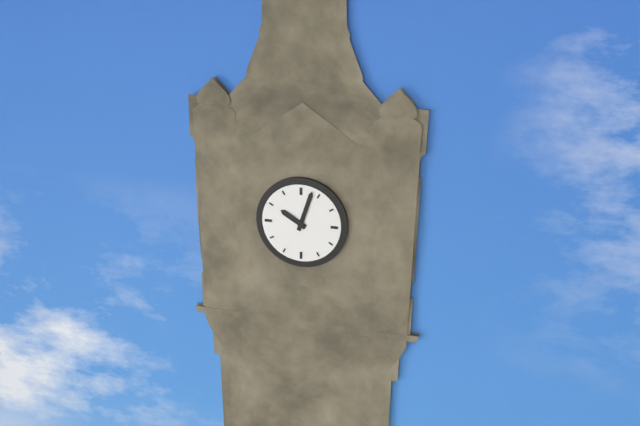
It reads 10h03
